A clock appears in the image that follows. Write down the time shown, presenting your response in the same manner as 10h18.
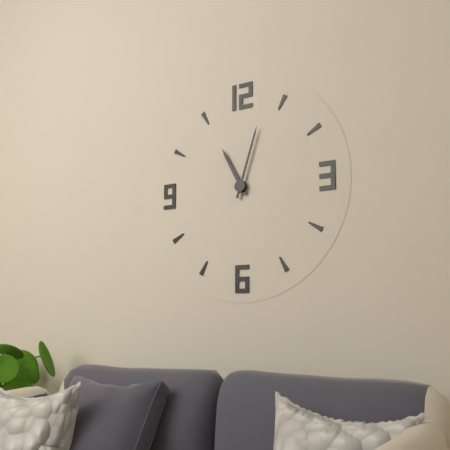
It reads 11h03
